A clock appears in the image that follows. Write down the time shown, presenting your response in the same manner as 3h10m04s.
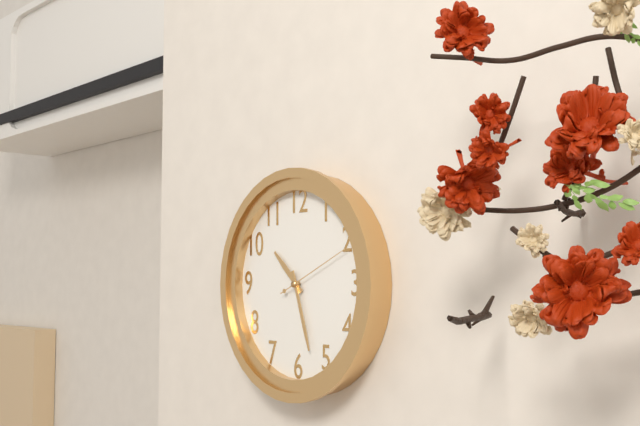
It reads 10h27m11s
